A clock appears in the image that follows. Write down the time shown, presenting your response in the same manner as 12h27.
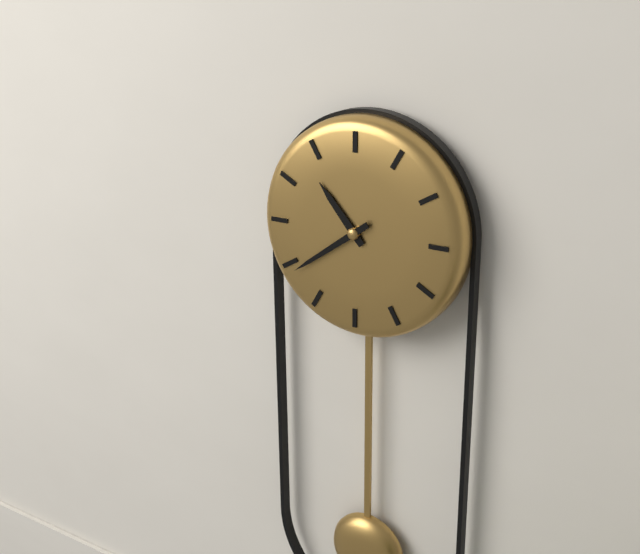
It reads 10h39
